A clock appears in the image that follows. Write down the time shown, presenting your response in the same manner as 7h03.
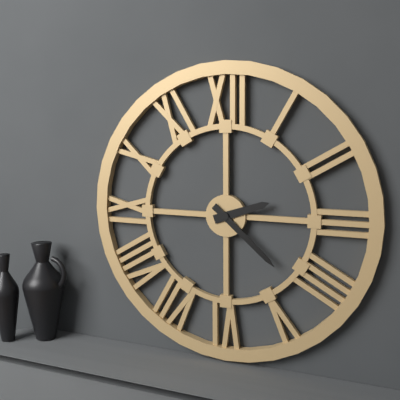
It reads 2h22
